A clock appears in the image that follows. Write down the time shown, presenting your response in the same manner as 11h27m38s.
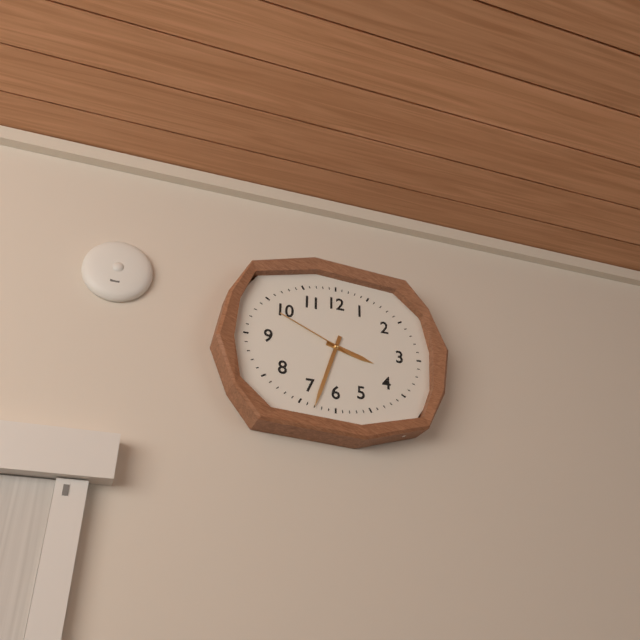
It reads 3h33m49s
